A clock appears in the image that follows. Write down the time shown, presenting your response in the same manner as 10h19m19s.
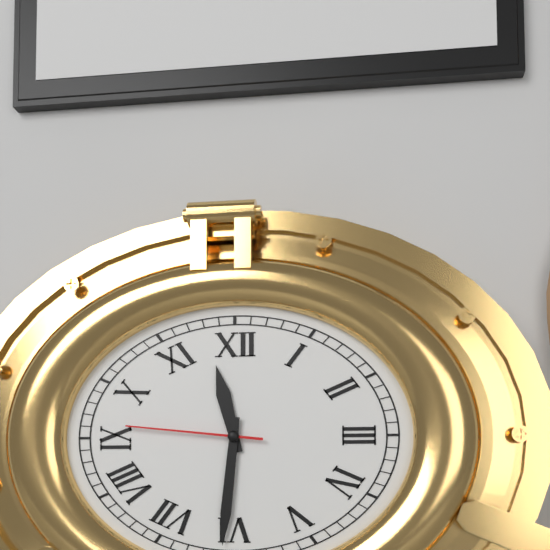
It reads 11h31m46s
